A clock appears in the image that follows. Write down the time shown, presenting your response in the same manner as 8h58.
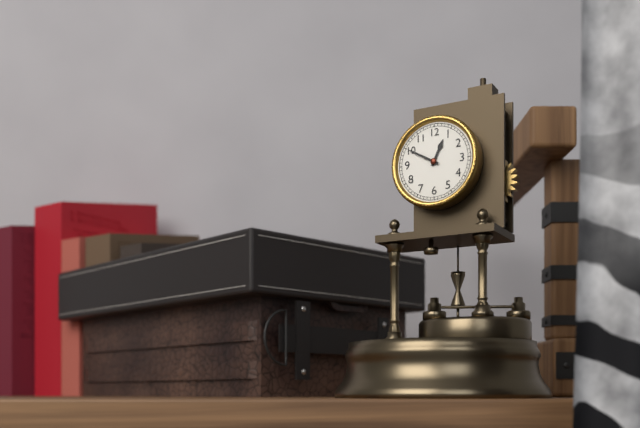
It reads 12h50
